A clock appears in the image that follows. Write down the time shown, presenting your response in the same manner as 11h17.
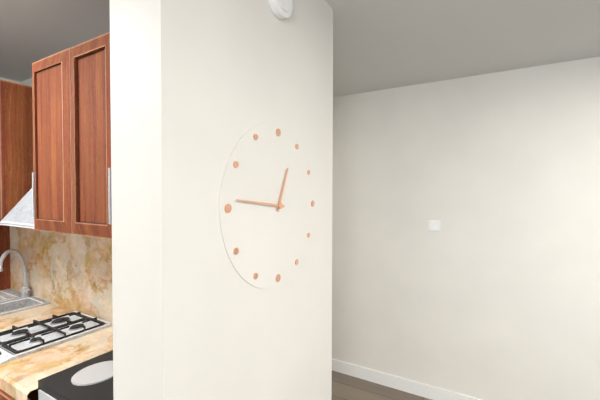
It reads 12h46
